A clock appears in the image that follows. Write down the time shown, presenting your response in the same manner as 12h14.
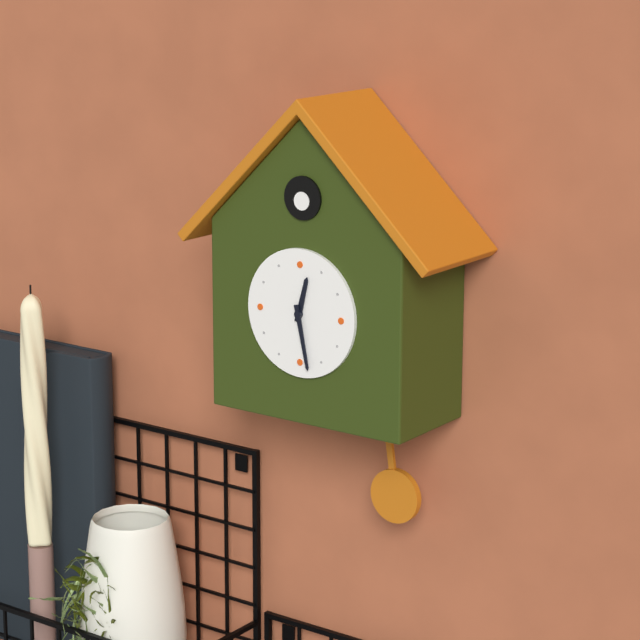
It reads 12h28
